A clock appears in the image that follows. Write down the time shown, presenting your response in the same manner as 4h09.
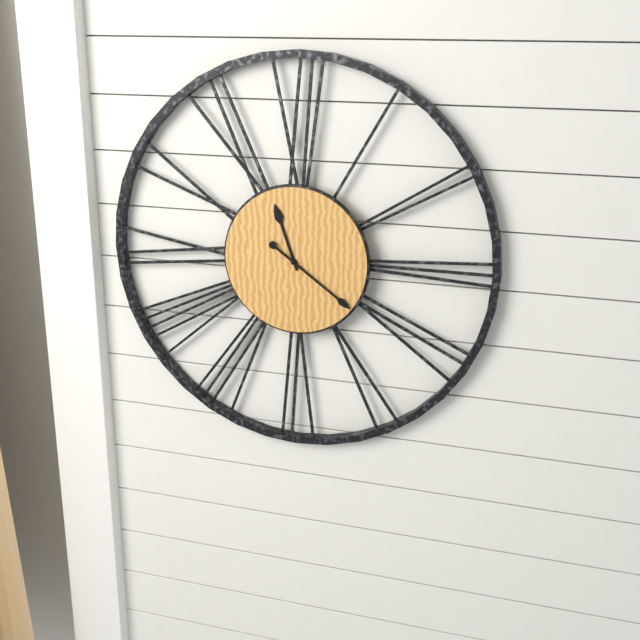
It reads 11h21
